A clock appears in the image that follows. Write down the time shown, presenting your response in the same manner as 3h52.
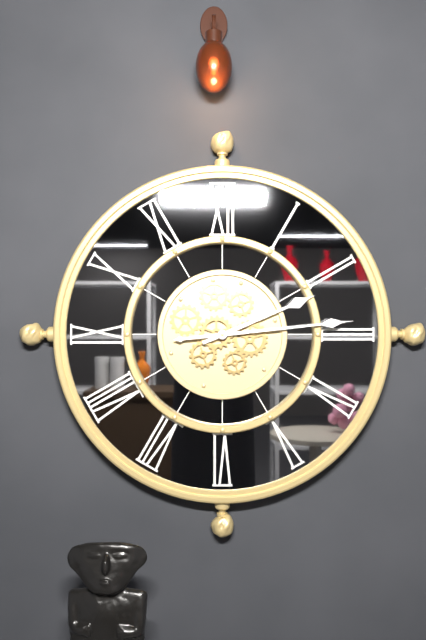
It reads 2h14
